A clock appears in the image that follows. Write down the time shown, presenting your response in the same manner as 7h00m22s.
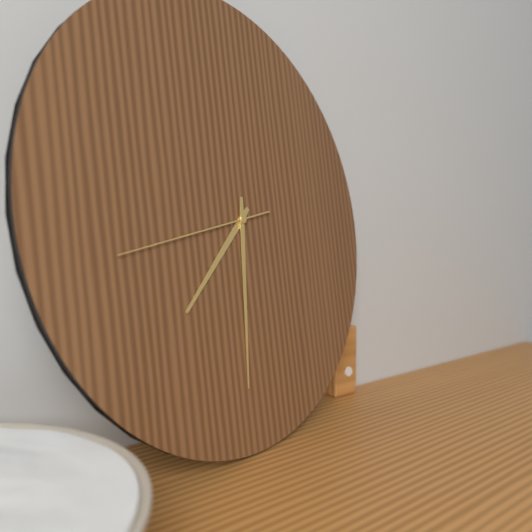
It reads 7h31m43s
